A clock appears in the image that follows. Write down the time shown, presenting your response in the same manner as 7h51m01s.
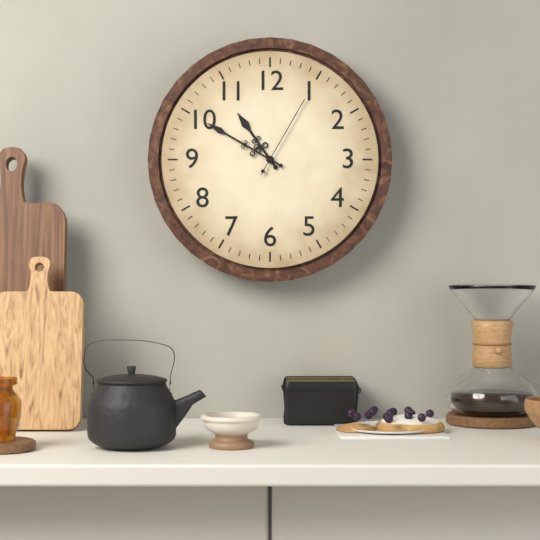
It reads 10h50m05s
